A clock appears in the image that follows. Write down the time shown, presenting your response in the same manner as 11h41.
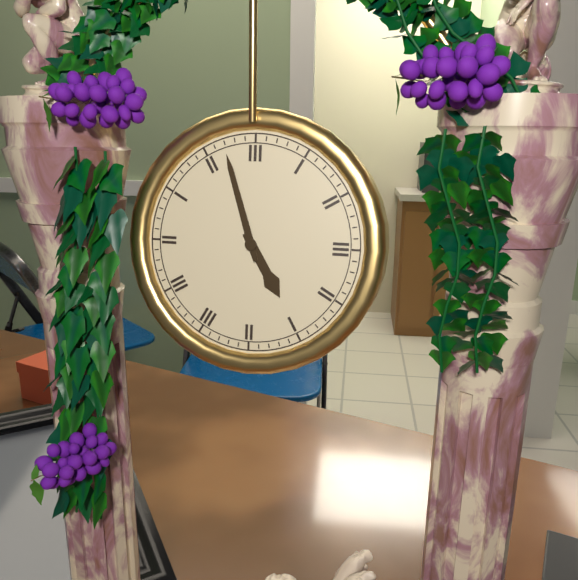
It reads 4h57
